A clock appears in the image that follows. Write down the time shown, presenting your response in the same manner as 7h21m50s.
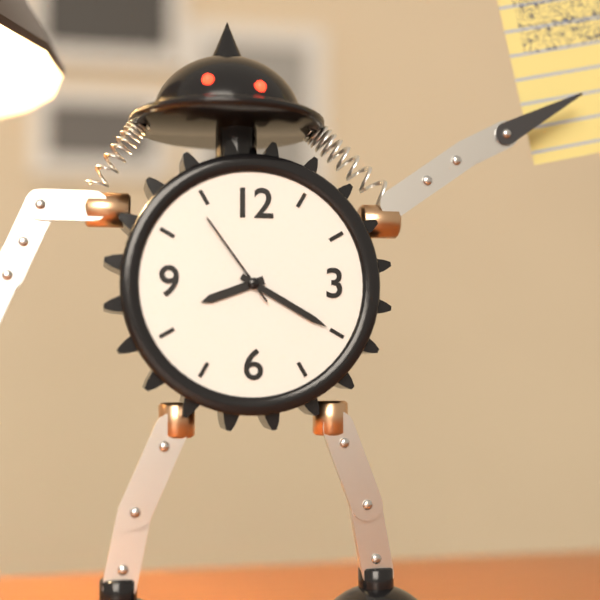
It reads 8h20m54s
